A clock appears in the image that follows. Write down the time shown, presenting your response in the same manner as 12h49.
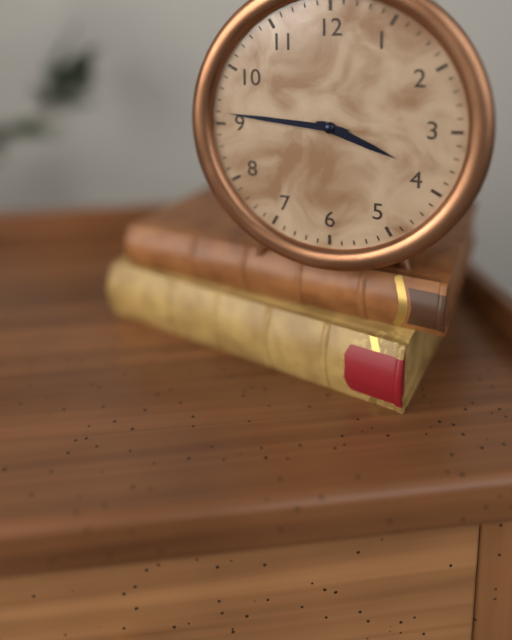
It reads 3h46
